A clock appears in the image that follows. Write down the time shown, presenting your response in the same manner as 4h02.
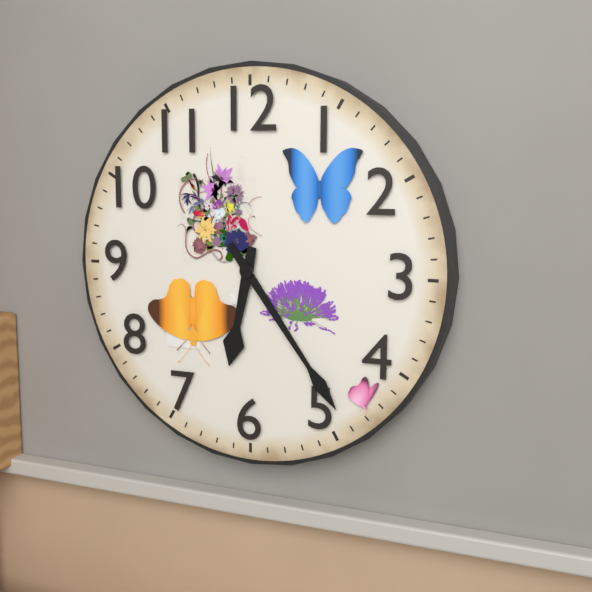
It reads 6h24
